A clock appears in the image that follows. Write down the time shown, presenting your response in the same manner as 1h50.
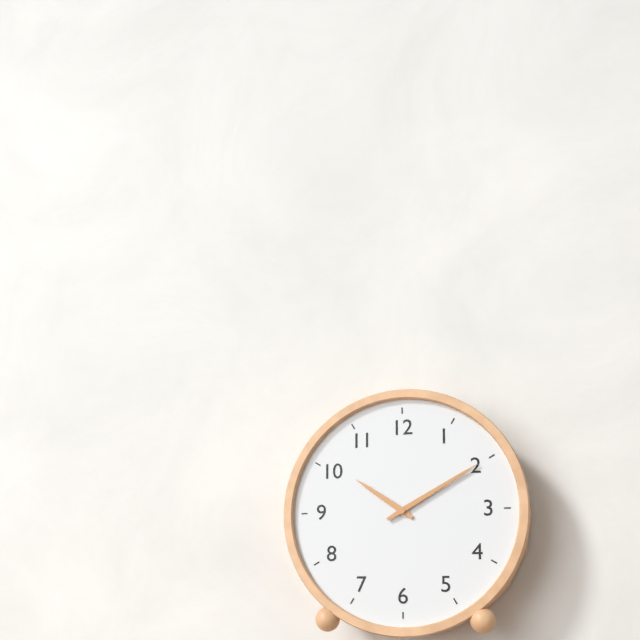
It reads 10h10
